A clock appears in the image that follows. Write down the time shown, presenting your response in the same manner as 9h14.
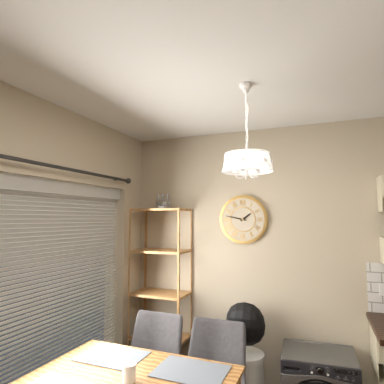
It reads 1h47
